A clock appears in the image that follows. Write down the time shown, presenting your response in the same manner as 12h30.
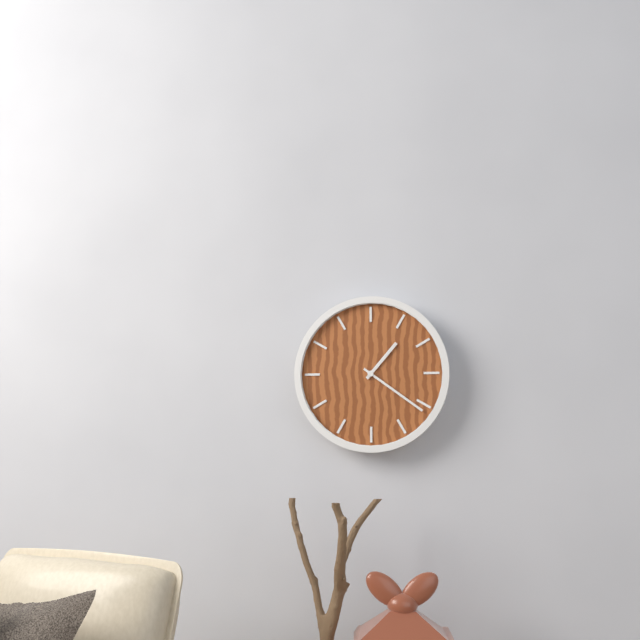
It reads 1h21
